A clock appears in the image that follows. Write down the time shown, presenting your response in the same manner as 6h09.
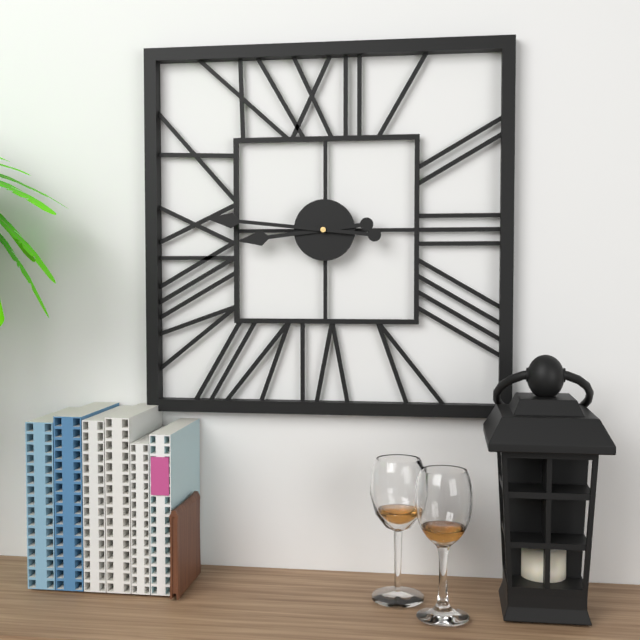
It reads 8h46
